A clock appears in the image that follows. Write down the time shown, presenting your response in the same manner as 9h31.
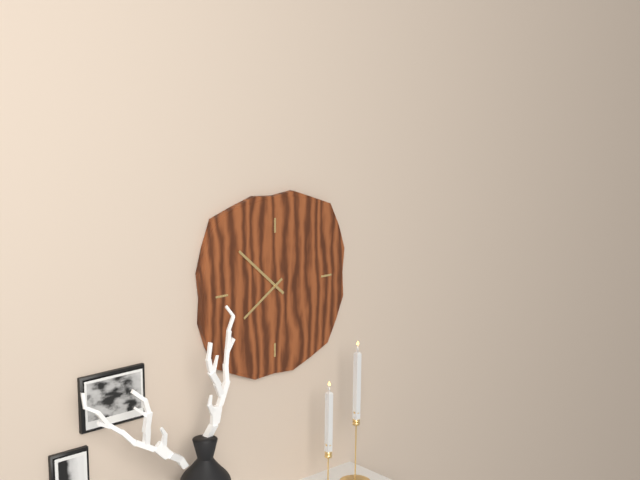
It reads 7h52
